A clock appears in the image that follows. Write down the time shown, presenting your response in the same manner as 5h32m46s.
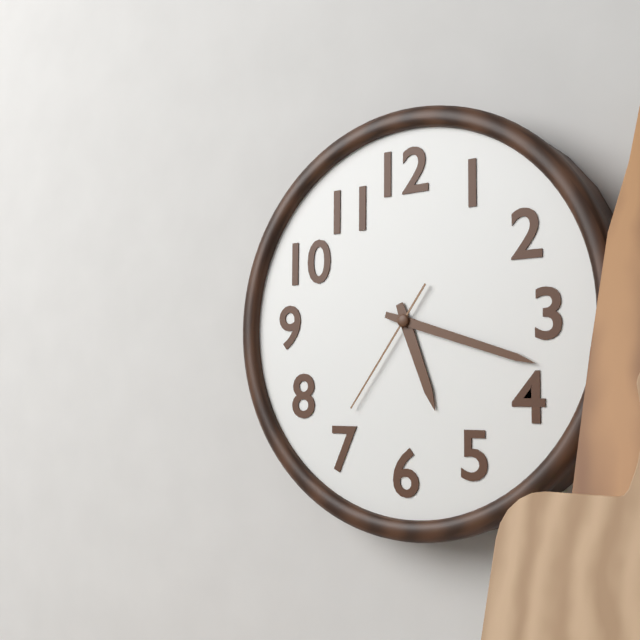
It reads 5h18m36s
